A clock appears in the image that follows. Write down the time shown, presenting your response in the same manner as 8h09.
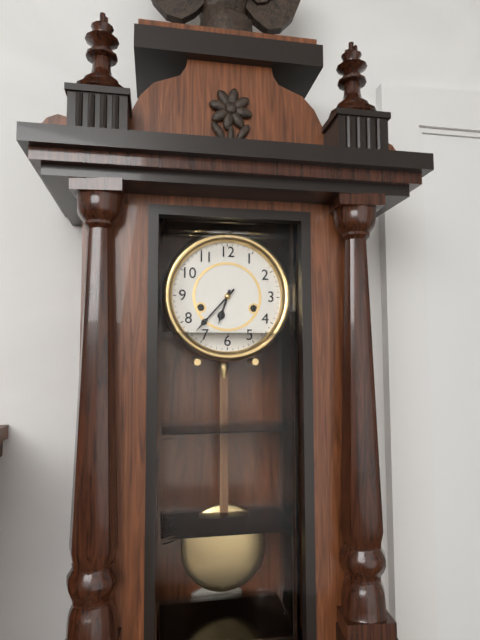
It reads 6h37
